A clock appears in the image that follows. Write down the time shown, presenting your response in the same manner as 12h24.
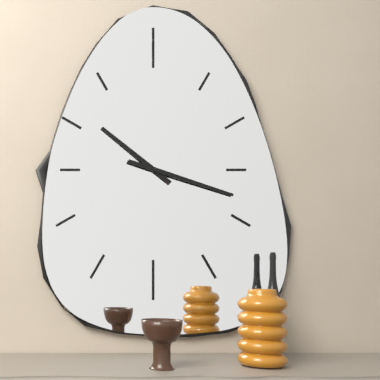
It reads 10h18
